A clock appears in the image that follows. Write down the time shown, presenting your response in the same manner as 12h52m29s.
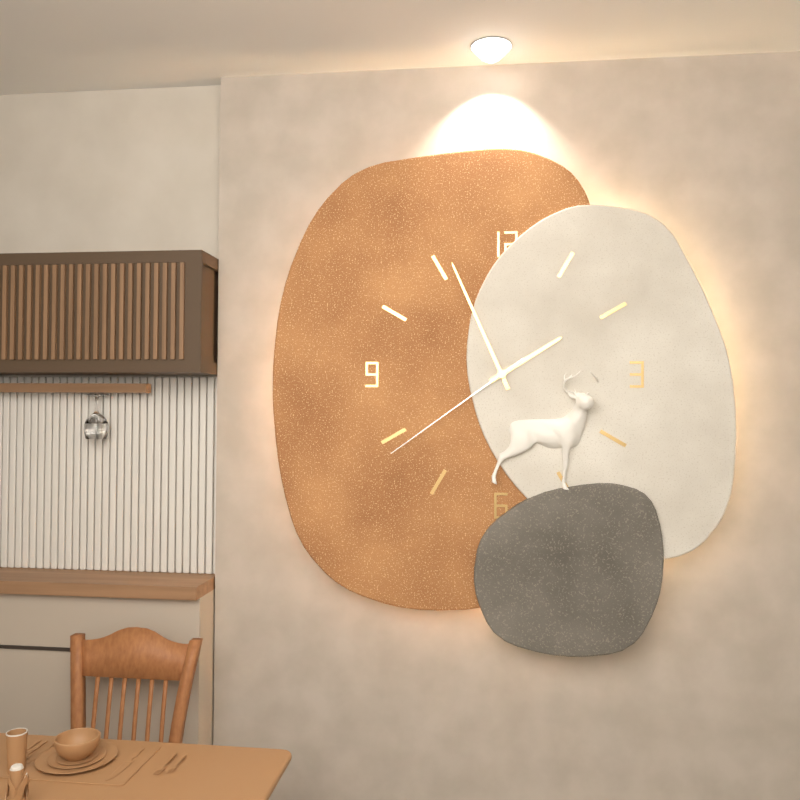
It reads 1h56m39s
